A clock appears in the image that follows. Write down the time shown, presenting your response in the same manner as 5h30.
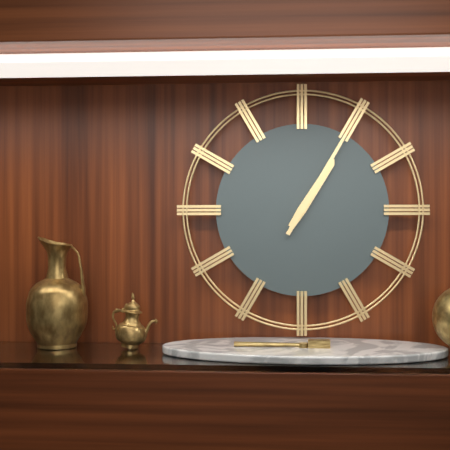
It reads 1h05
